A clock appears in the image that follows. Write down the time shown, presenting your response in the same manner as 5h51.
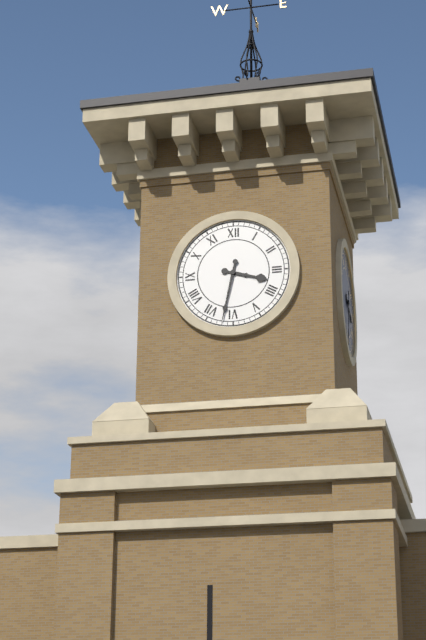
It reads 3h32
